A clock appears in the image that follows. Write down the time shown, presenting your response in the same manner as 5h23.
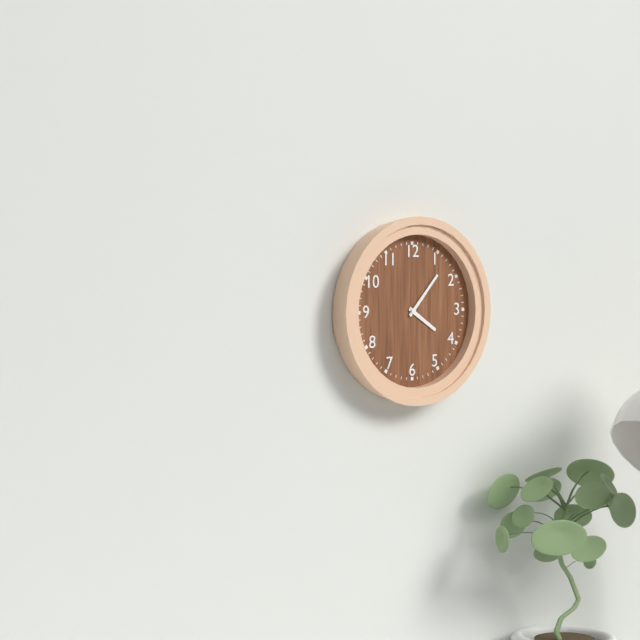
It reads 4h07
